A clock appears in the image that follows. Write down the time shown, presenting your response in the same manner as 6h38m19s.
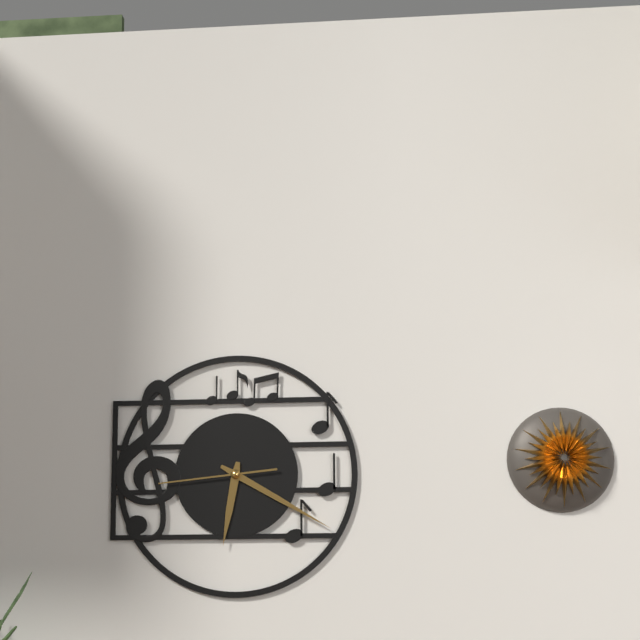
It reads 6h20m44s
